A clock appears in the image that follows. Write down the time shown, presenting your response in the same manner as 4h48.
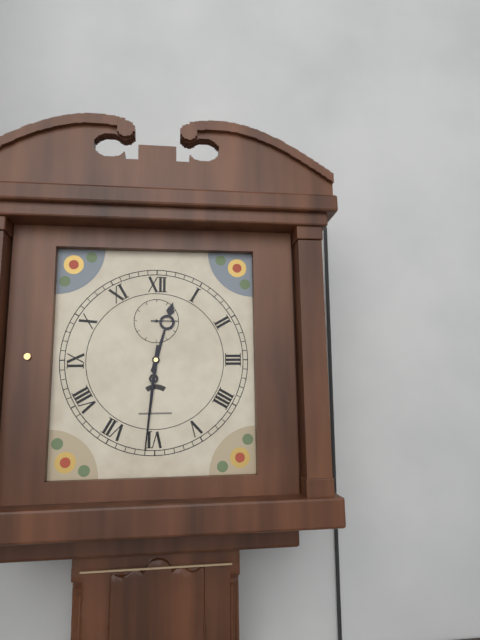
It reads 12h31
